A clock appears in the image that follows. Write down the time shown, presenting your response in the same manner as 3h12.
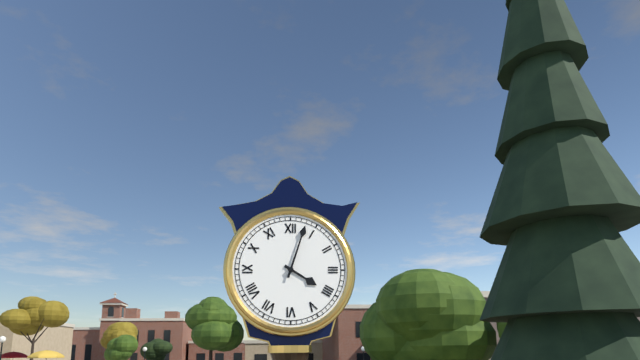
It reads 4h03
